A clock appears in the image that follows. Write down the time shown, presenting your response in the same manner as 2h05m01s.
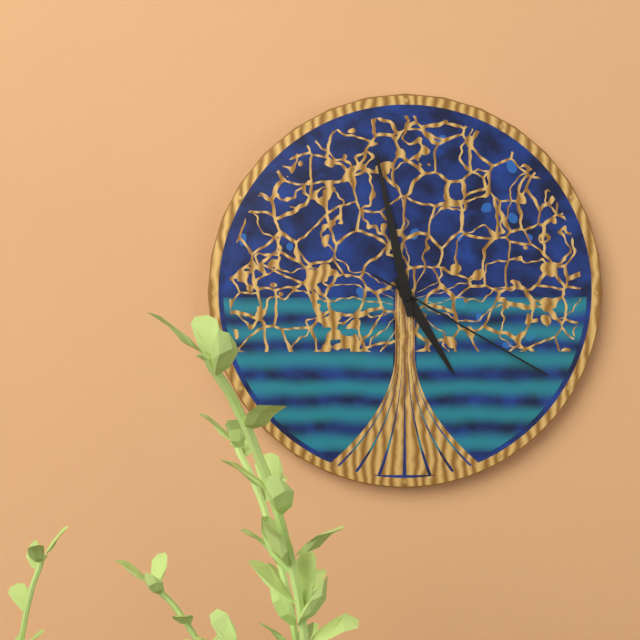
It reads 4h58m20s
